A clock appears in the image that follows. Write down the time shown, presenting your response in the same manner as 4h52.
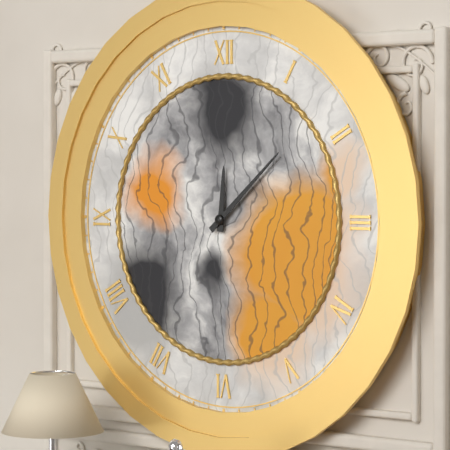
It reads 12h08
